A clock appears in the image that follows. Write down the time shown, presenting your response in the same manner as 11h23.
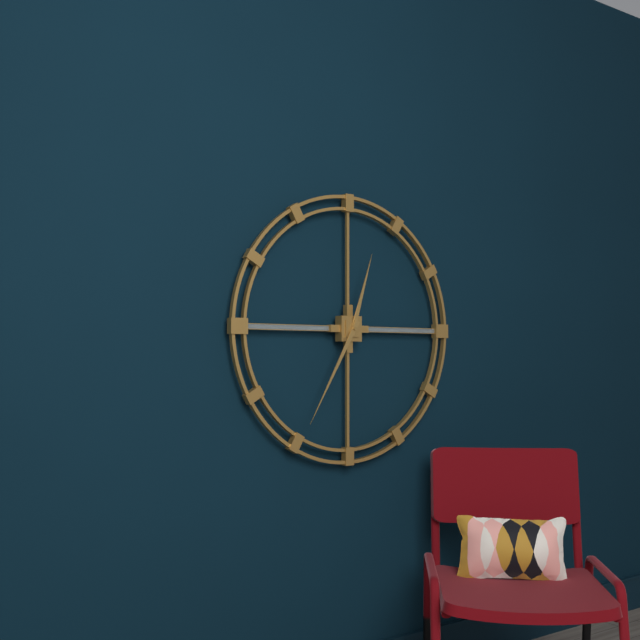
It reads 12h35
